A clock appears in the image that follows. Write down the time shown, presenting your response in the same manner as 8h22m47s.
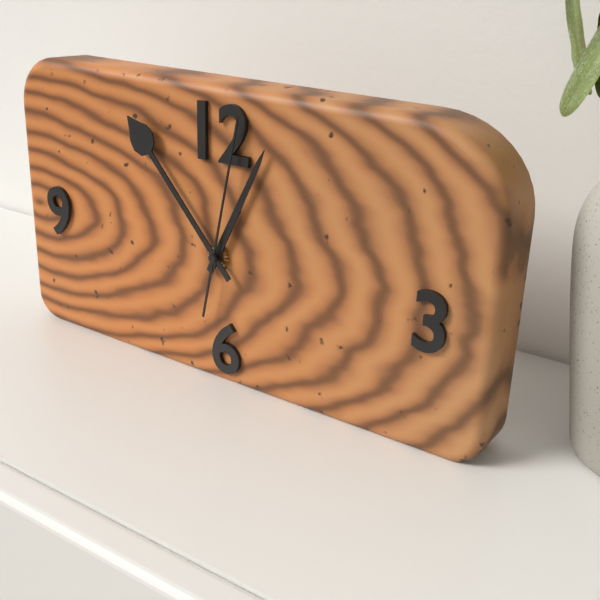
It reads 12h53m02s
